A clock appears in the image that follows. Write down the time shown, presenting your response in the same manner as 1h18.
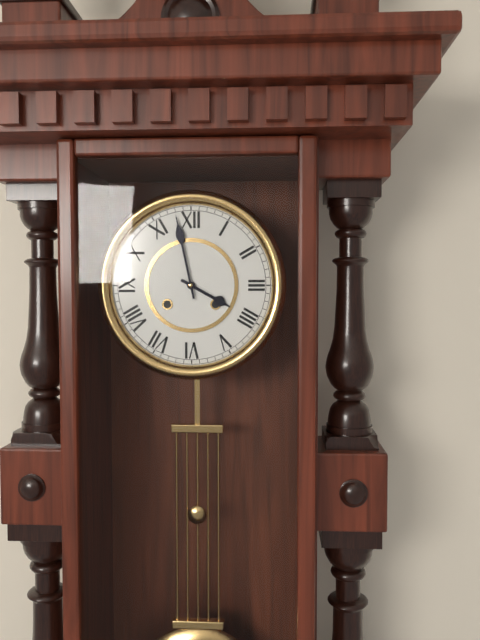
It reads 3h58
